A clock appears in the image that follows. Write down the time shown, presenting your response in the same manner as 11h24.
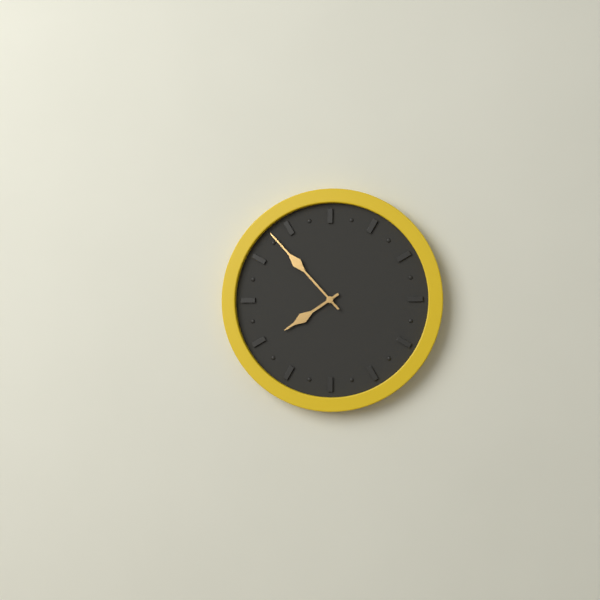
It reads 7h53
